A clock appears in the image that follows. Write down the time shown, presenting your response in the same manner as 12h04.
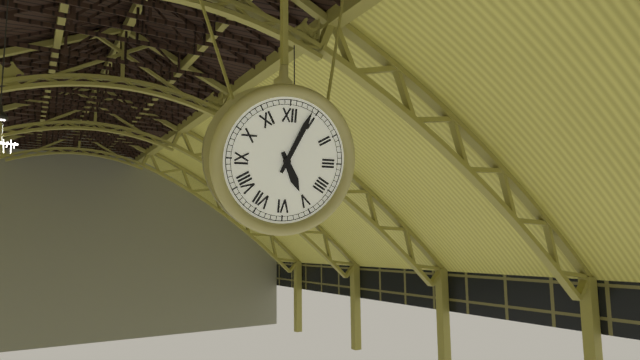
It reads 5h04
